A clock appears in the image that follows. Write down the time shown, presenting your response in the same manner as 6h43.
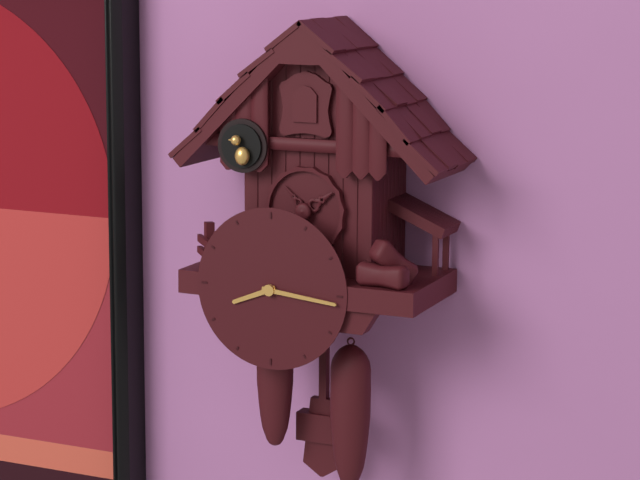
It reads 8h16
